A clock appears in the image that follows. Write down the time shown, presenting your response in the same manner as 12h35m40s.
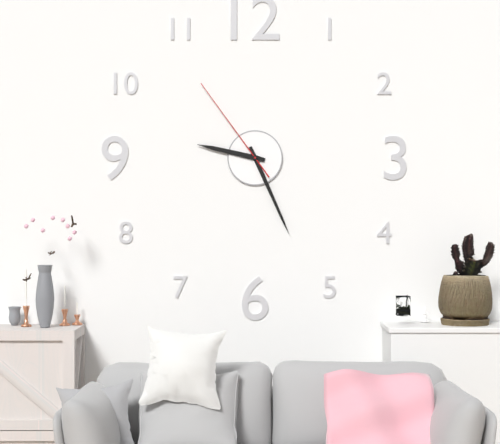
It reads 9h26m54s
